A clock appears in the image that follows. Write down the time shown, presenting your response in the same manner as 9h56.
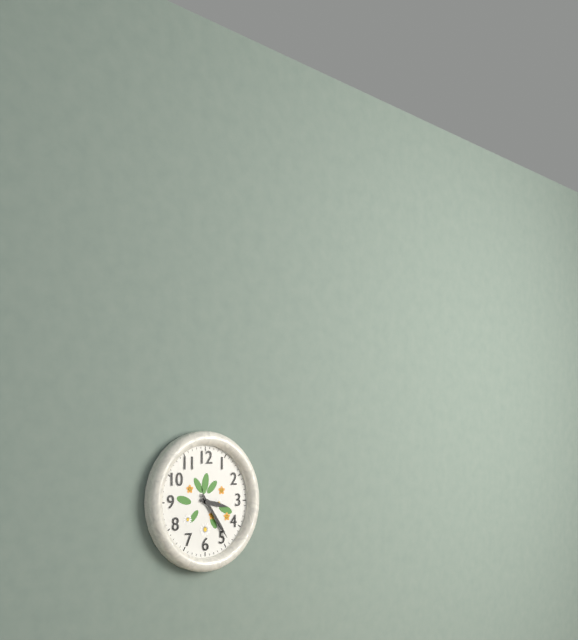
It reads 3h24
